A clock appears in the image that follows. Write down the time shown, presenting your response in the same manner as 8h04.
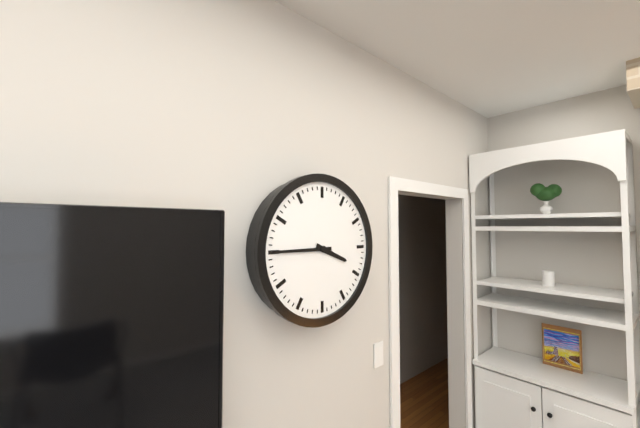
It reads 3h45
